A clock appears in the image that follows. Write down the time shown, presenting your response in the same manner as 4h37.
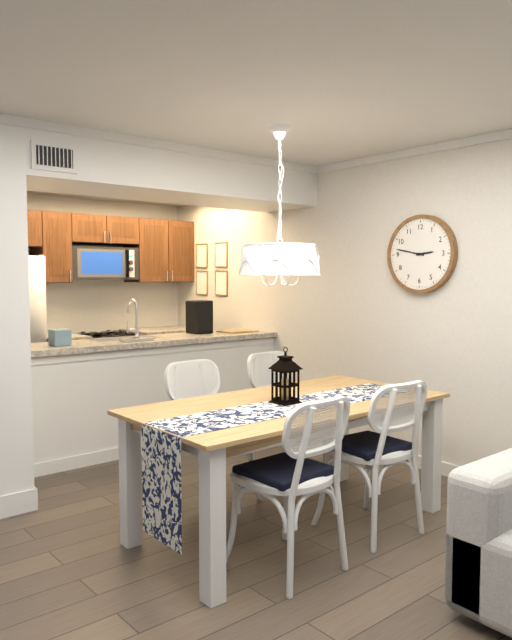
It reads 2h47
